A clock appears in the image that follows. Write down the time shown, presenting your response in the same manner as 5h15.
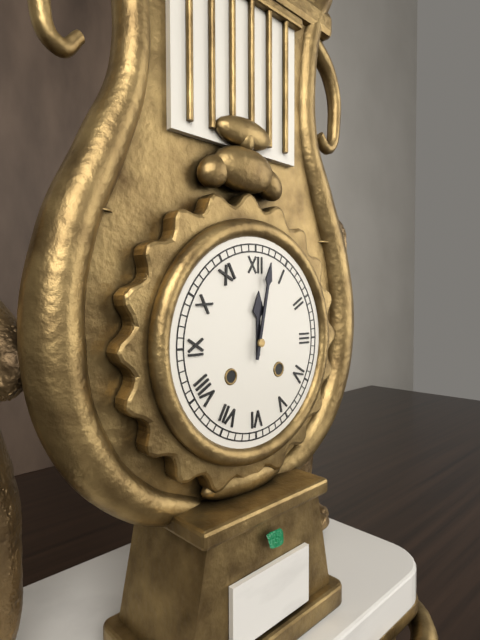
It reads 12h02
